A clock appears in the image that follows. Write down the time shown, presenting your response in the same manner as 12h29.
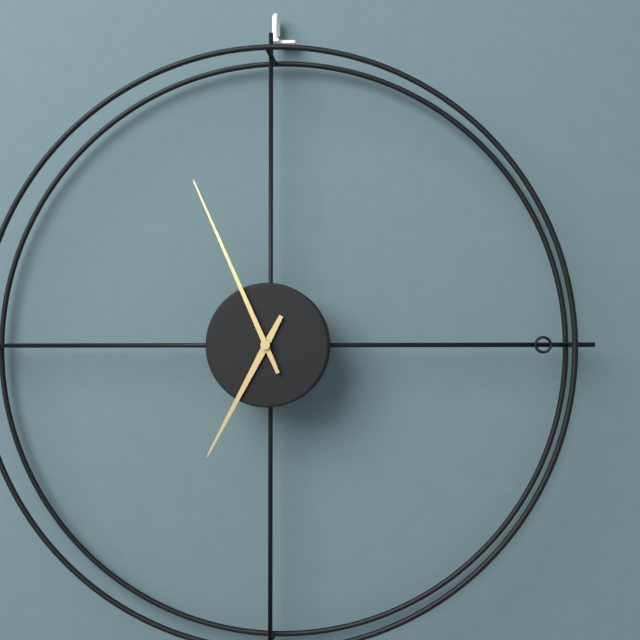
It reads 6h56
